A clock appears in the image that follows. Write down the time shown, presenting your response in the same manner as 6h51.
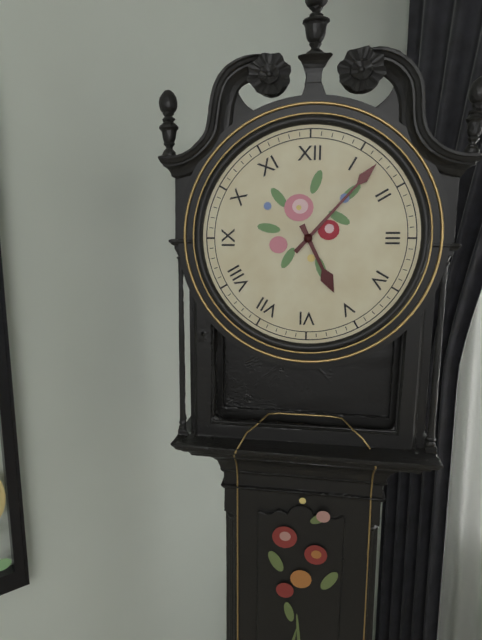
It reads 5h07
